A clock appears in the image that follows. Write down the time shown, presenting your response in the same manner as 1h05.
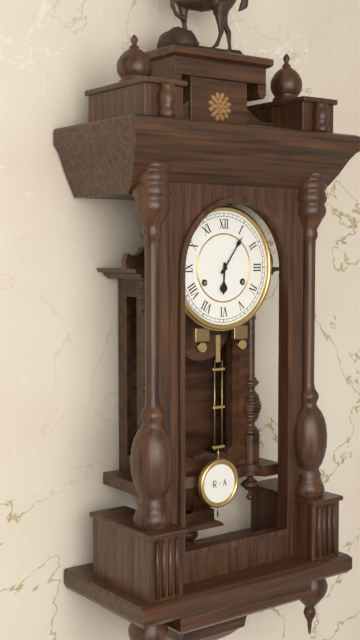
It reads 6h06
